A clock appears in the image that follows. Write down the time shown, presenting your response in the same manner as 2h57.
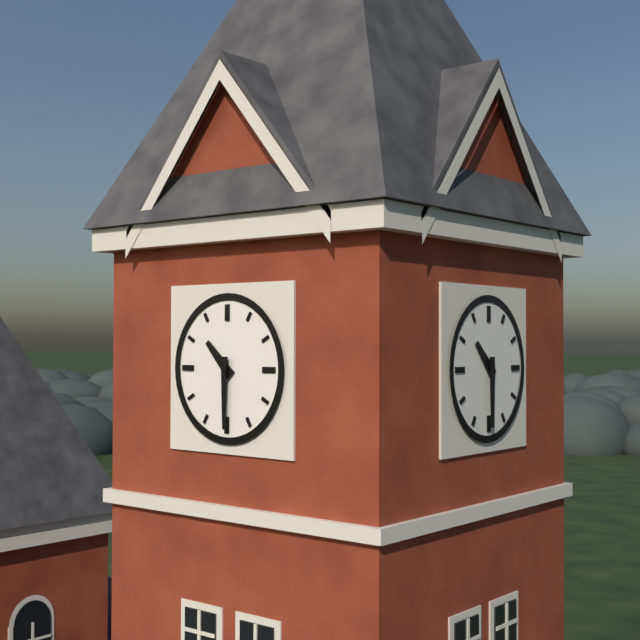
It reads 10h30
